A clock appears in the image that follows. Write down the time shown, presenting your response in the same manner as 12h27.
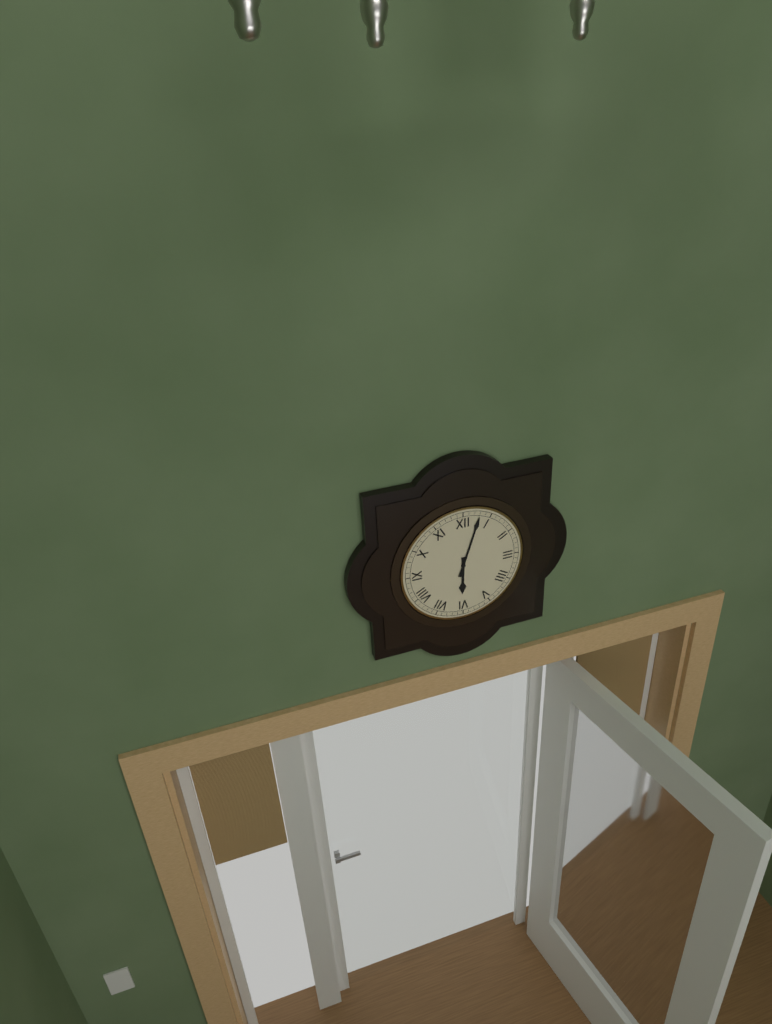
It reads 6h03
